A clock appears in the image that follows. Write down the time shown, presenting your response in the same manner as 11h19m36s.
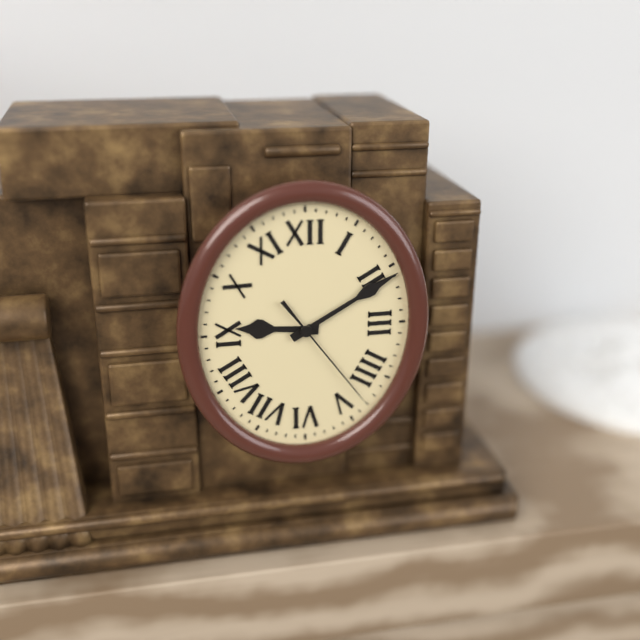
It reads 9h10m24s
